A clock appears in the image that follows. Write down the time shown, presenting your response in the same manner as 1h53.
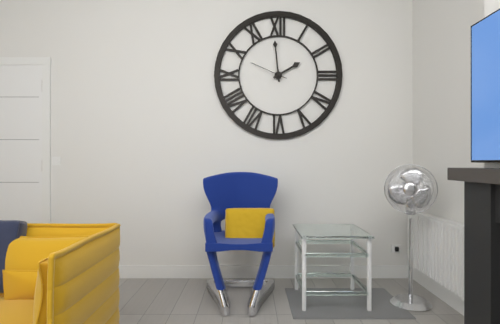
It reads 1h59
